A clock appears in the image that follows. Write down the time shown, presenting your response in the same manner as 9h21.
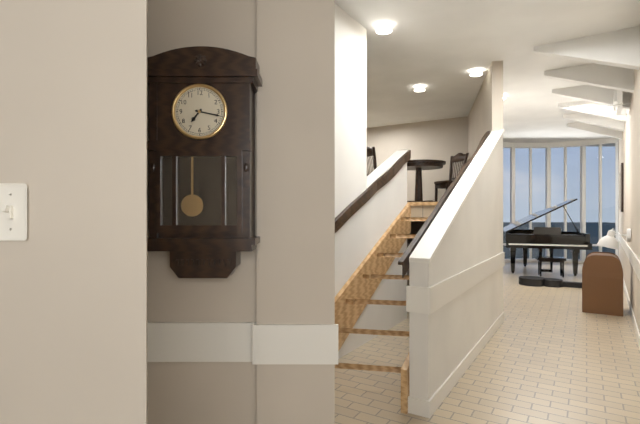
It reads 7h17
